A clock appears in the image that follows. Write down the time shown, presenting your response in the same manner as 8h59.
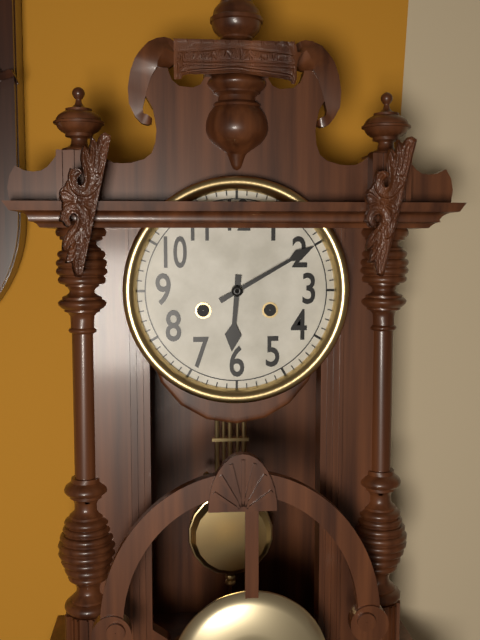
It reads 6h10
